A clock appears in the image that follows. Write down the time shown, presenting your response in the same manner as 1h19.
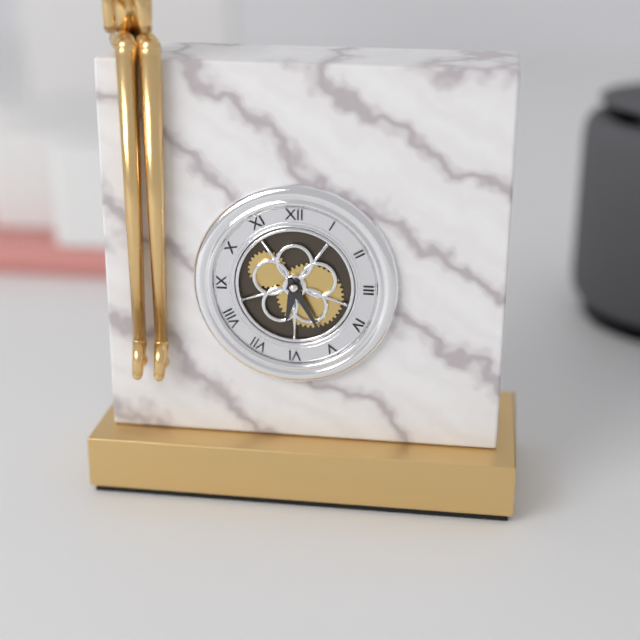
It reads 6h25
